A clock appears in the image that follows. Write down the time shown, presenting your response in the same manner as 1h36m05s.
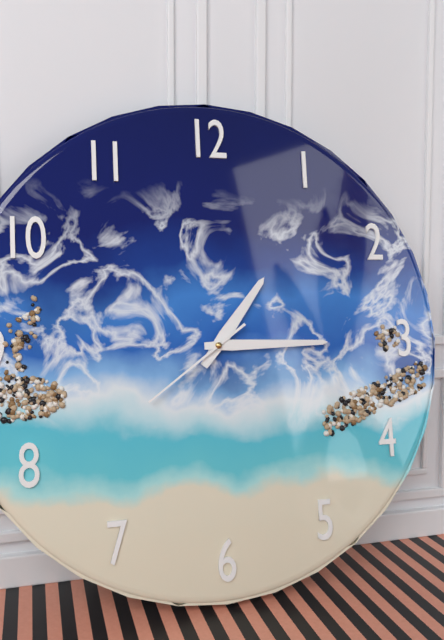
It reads 1h15m39s
